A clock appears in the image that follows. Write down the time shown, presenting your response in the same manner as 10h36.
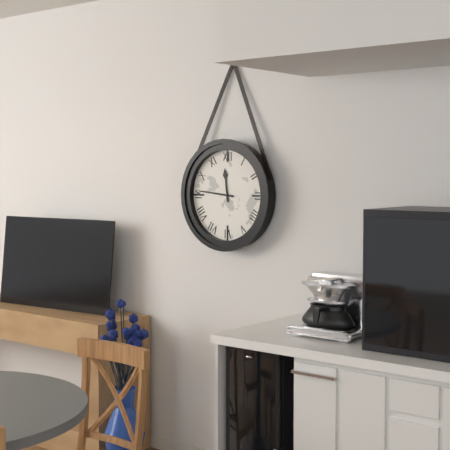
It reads 11h46
